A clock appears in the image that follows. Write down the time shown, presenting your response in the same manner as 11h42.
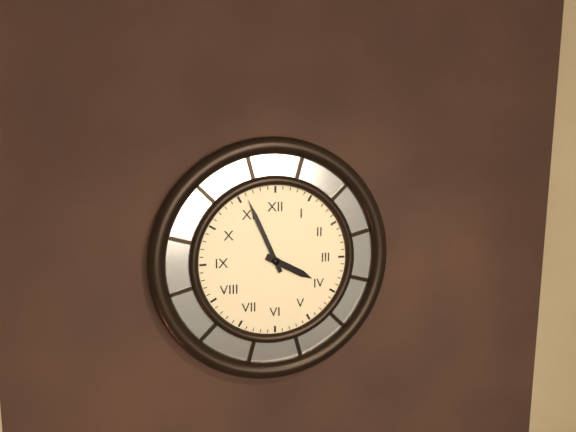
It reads 3h56
